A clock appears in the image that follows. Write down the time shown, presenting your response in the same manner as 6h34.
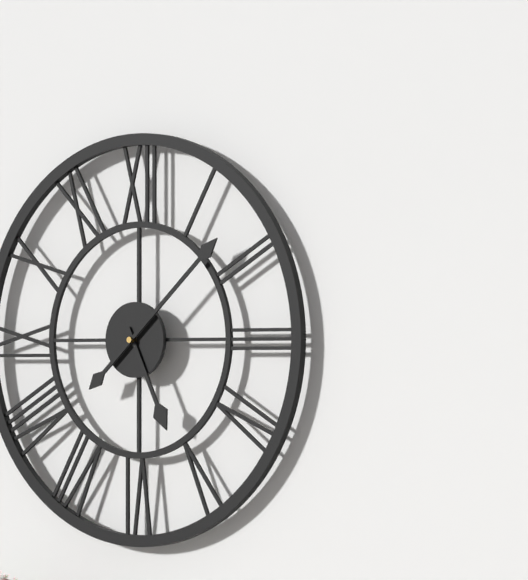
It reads 5h08
